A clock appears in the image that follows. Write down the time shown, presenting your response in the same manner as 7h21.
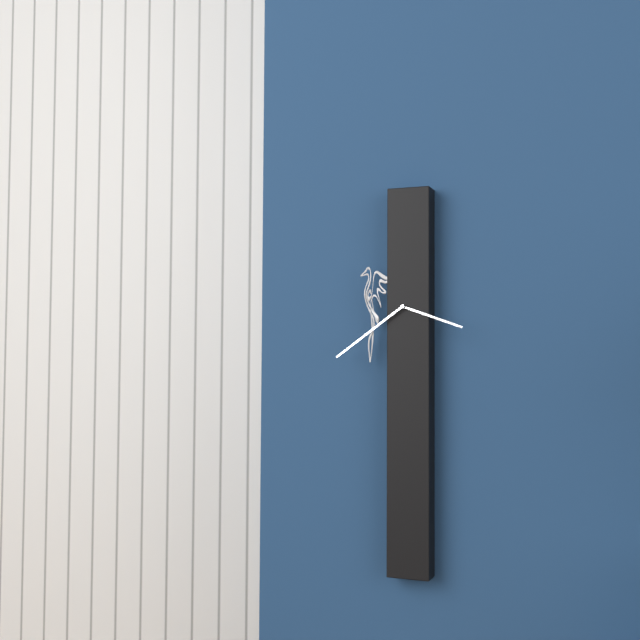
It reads 3h39
